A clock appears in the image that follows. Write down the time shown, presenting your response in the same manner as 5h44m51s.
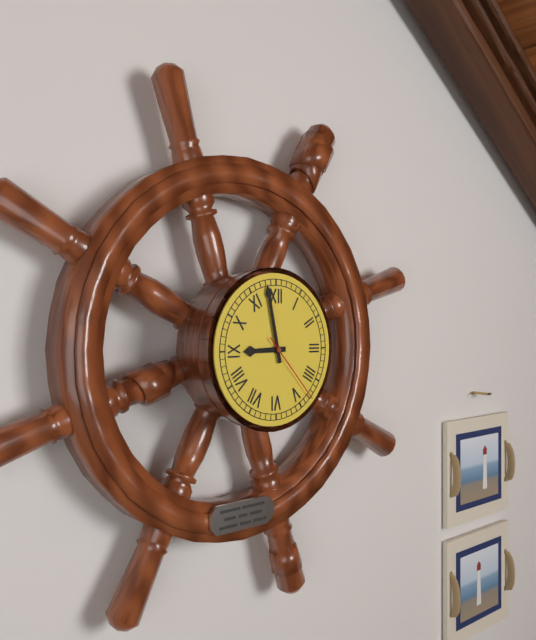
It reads 8h58m23s
